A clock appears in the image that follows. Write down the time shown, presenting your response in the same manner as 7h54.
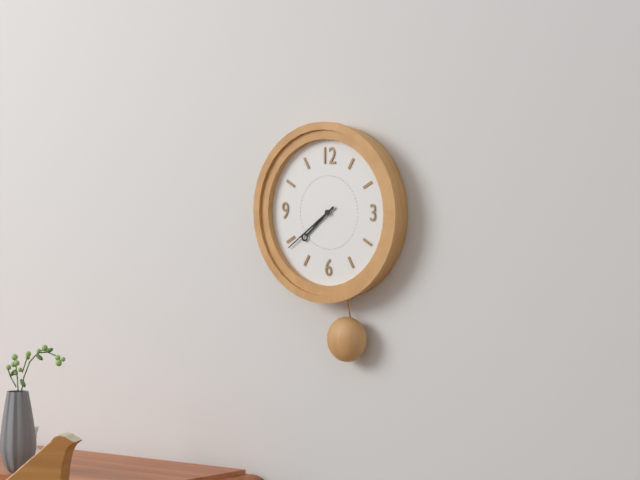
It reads 7h39
